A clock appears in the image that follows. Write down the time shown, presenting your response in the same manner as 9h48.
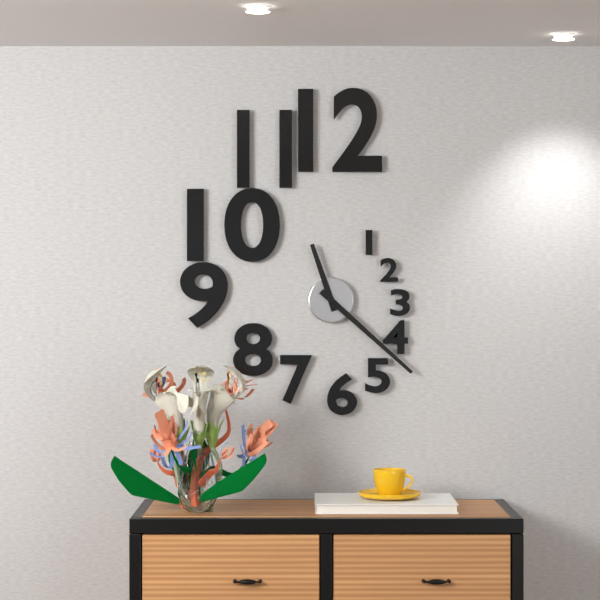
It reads 11h22
